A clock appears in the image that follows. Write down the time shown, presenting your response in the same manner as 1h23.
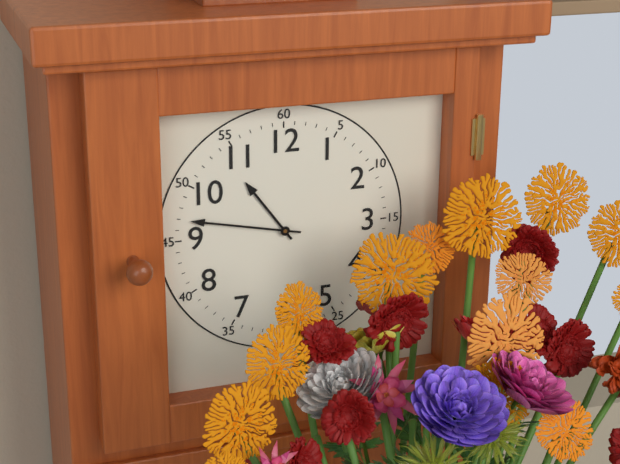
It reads 10h47
